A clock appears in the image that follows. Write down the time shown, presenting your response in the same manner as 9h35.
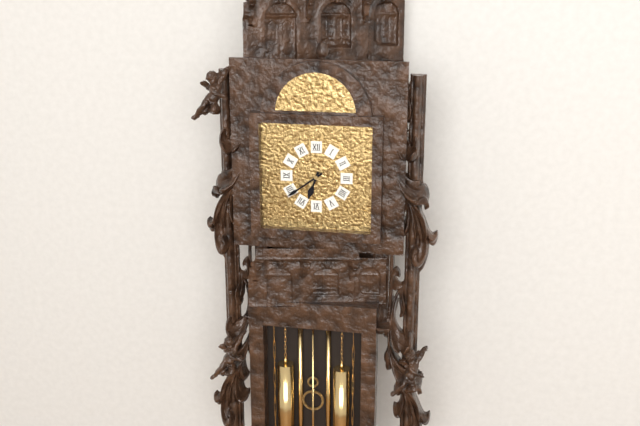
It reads 6h39
